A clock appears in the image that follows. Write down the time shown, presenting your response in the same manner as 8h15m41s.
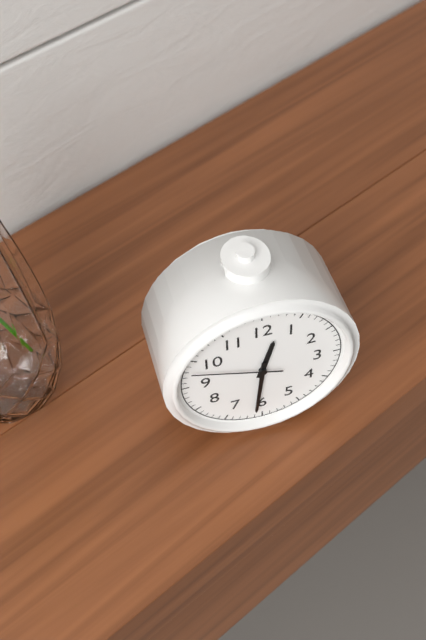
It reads 12h31m48s
